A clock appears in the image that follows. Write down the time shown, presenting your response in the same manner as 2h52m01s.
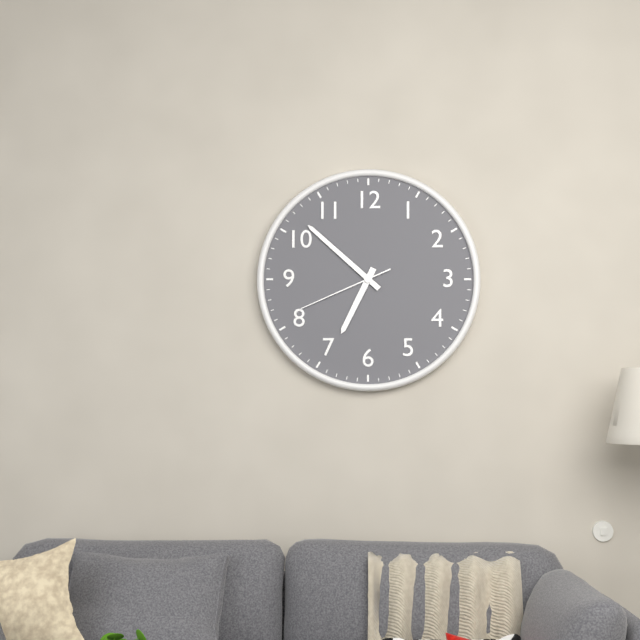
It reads 6h52m41s
